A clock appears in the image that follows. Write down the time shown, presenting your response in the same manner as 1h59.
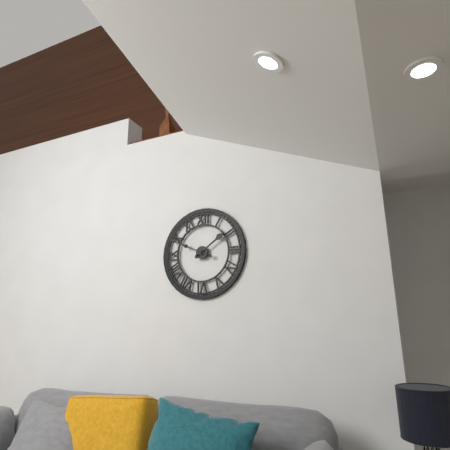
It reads 1h49
